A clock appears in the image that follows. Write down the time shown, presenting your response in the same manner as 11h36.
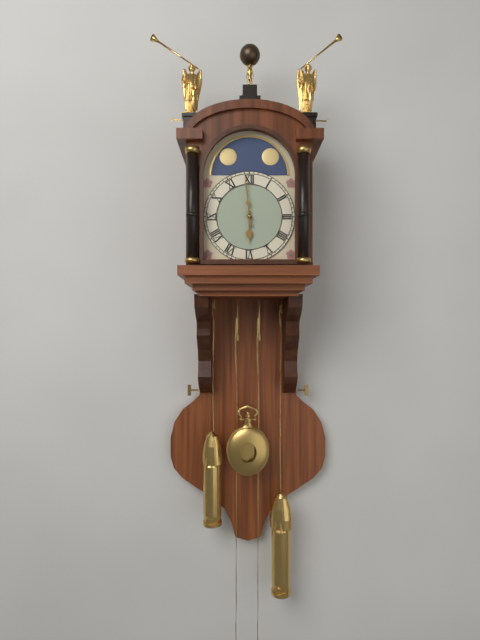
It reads 5h59
